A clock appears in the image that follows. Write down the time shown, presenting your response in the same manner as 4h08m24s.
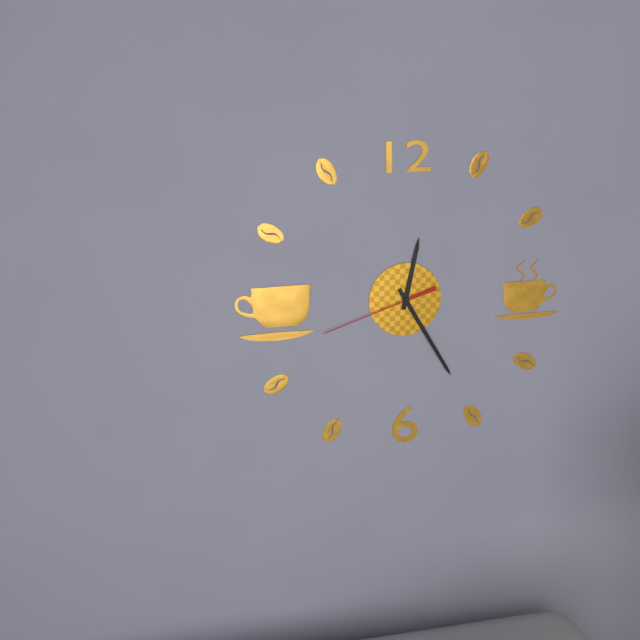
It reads 12h25m42s
